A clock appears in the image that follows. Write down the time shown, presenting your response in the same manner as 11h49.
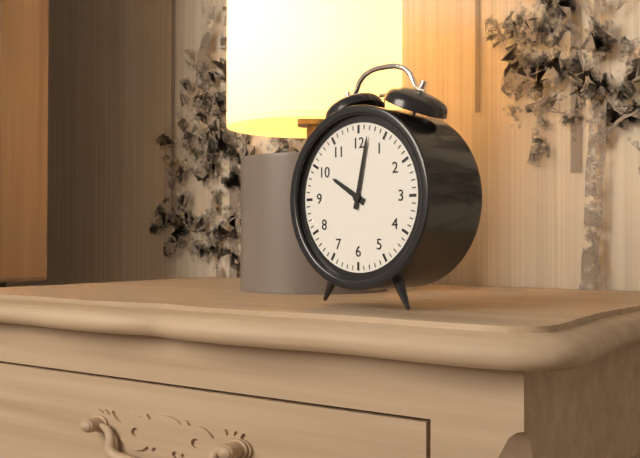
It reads 10h02
